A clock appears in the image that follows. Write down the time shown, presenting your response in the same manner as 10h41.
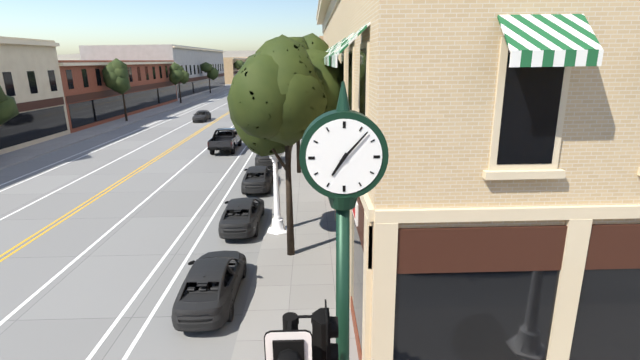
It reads 7h07
